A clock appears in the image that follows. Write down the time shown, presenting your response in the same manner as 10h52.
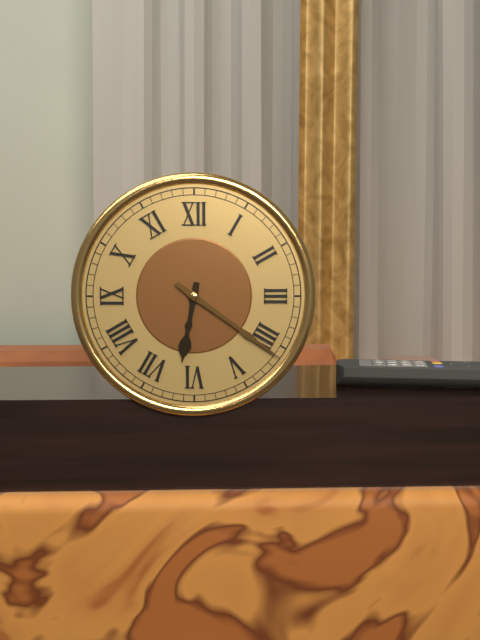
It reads 6h21
